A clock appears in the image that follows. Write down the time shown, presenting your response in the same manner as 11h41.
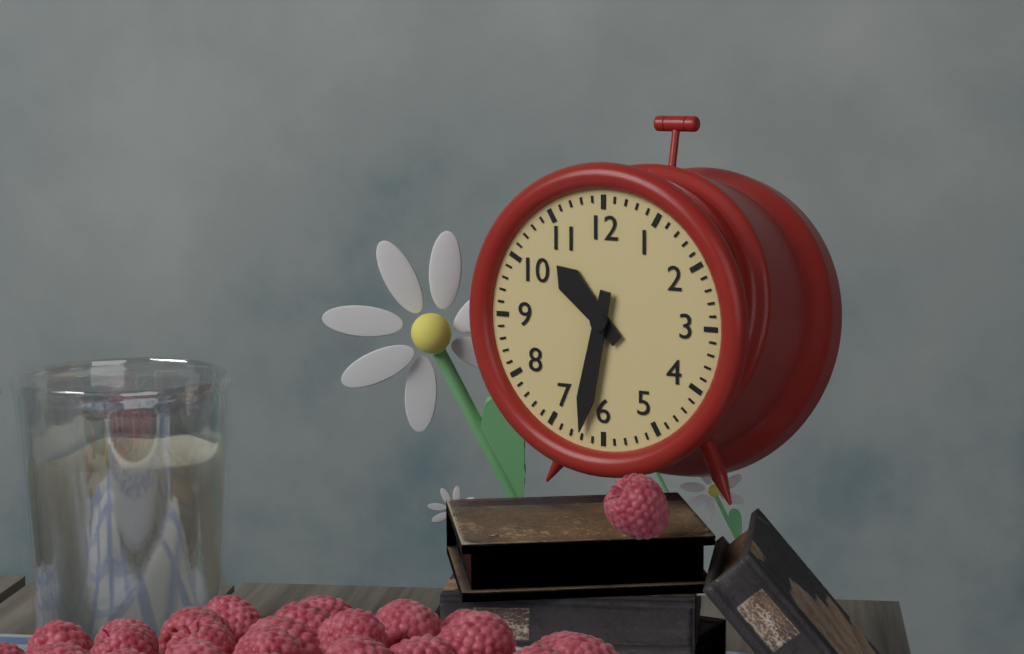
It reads 10h32
